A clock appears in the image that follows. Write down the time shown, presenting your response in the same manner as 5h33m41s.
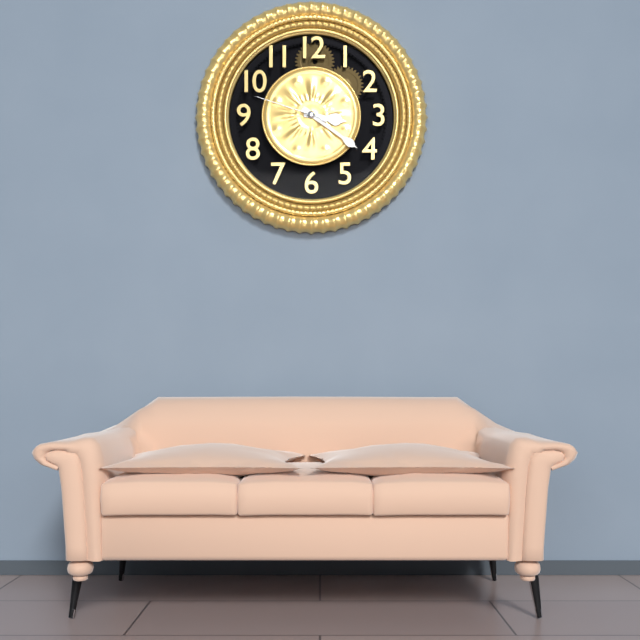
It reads 3h21m48s
